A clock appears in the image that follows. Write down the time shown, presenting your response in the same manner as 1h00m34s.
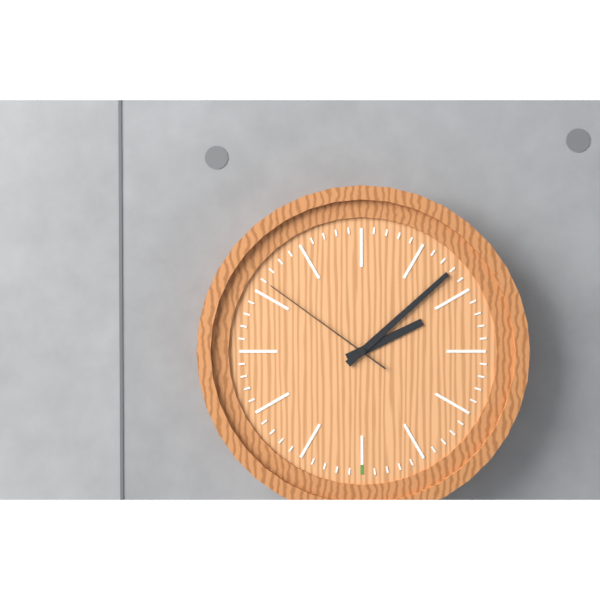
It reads 2h08m51s
